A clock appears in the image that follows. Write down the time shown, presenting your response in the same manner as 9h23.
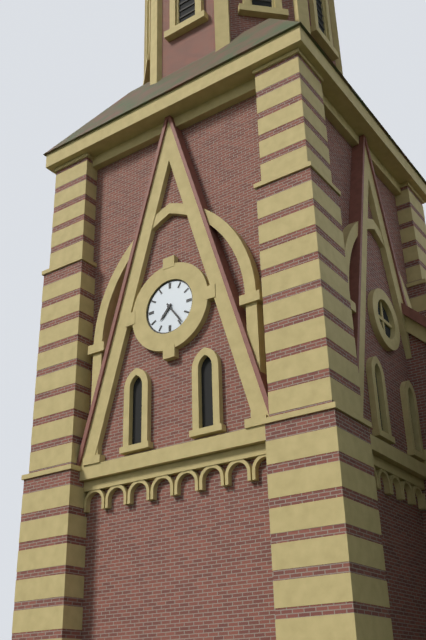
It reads 7h24
